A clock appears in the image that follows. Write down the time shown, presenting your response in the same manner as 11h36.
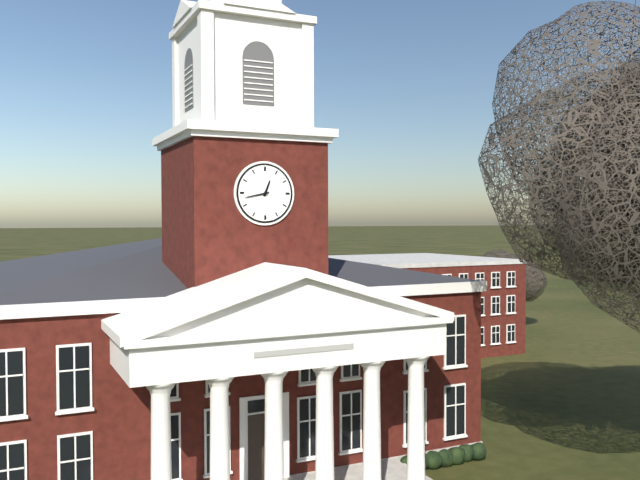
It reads 12h43
